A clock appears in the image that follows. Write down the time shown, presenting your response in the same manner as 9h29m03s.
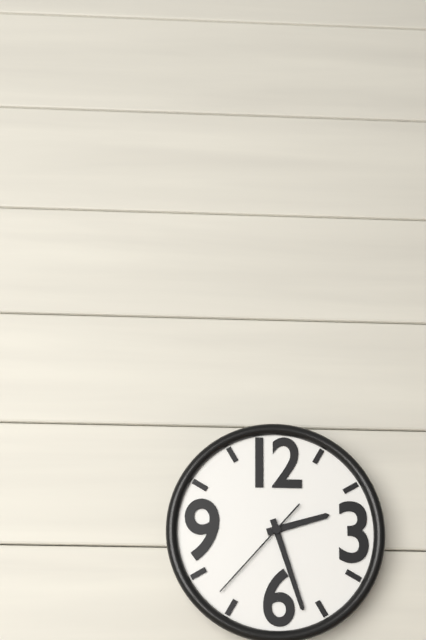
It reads 2h27m37s
